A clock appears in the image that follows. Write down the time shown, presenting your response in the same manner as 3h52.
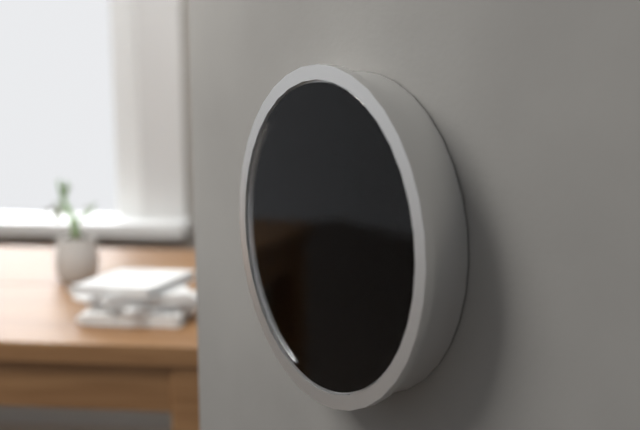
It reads 11h47
